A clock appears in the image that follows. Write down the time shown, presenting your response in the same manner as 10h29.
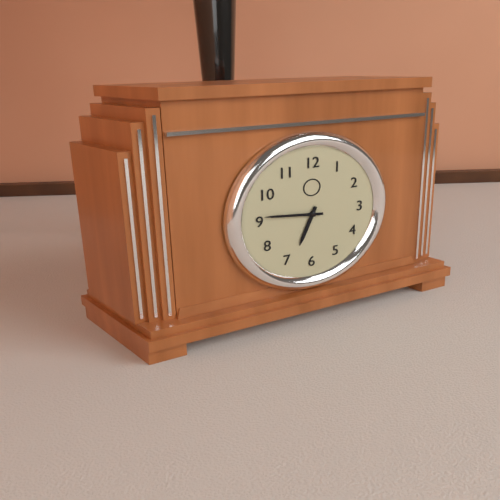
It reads 6h46
